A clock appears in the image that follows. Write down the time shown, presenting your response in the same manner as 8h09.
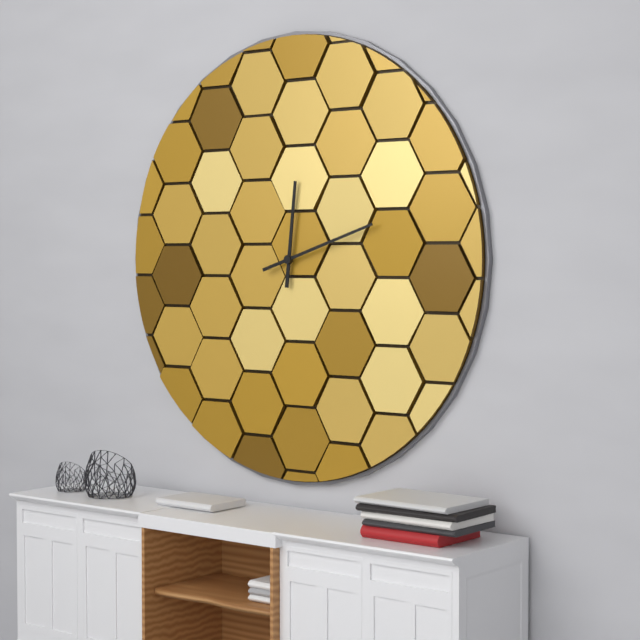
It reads 12h12
